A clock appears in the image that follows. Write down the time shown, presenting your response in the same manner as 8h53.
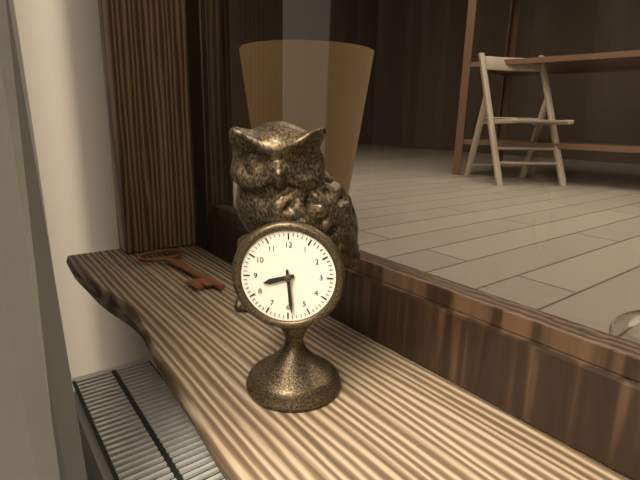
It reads 8h29
